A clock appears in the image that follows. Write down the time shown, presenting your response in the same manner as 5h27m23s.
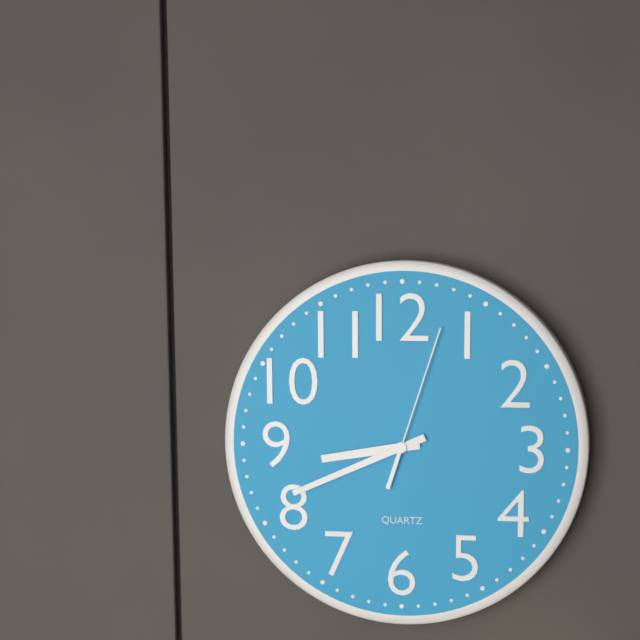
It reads 8h41m03s
